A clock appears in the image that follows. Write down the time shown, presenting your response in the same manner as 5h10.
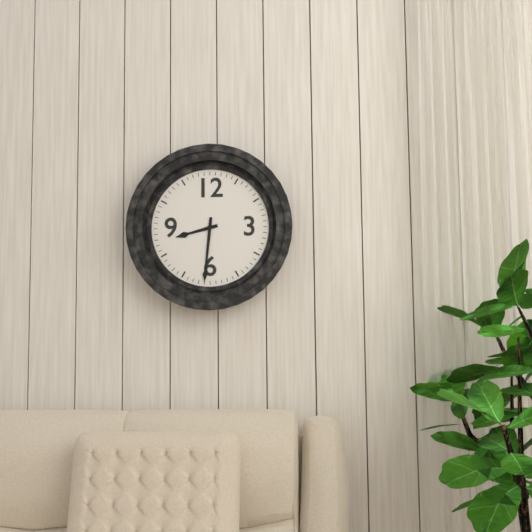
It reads 8h31
